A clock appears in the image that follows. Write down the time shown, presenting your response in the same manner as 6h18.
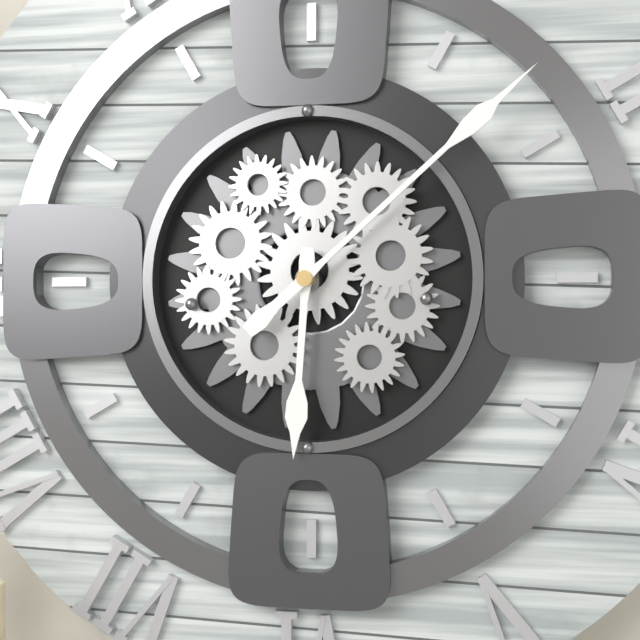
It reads 6h08
